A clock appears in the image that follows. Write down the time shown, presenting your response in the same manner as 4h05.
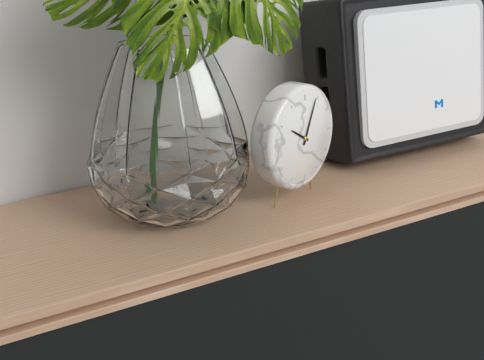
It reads 10h04
